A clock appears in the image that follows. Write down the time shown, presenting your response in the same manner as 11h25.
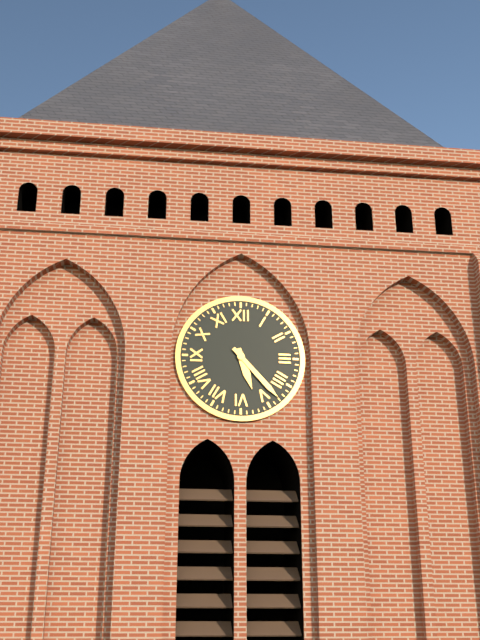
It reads 5h23
